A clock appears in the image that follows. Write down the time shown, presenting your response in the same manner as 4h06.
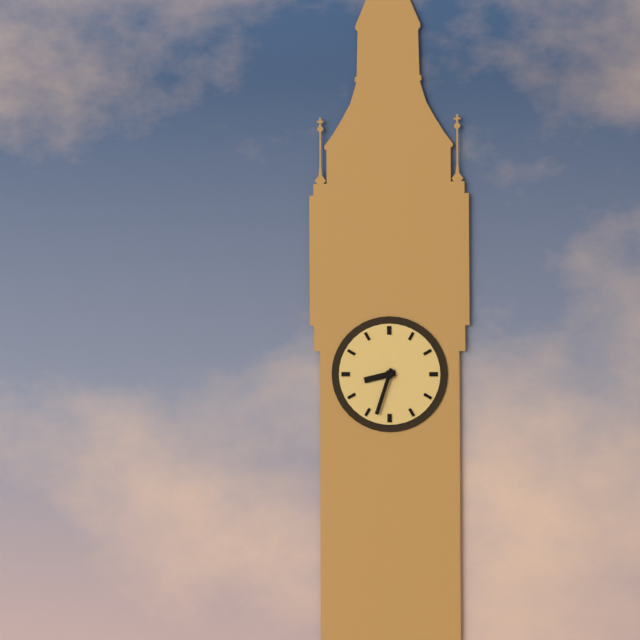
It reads 8h33
